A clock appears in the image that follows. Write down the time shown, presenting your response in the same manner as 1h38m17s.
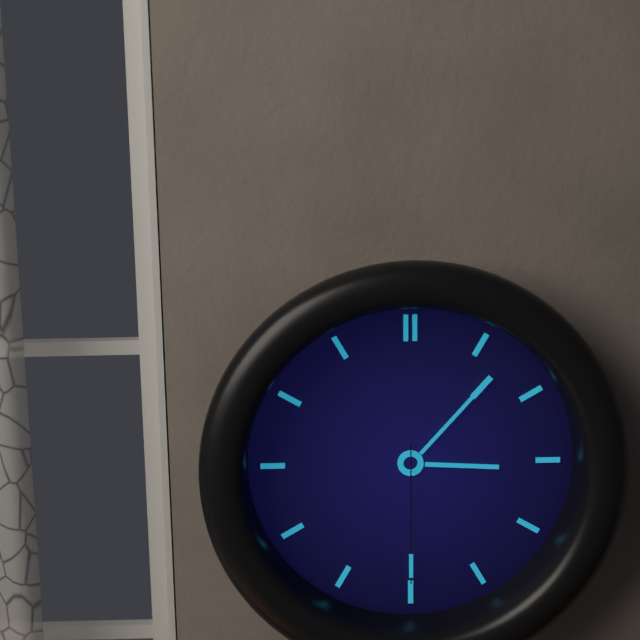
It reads 3h07m30s
